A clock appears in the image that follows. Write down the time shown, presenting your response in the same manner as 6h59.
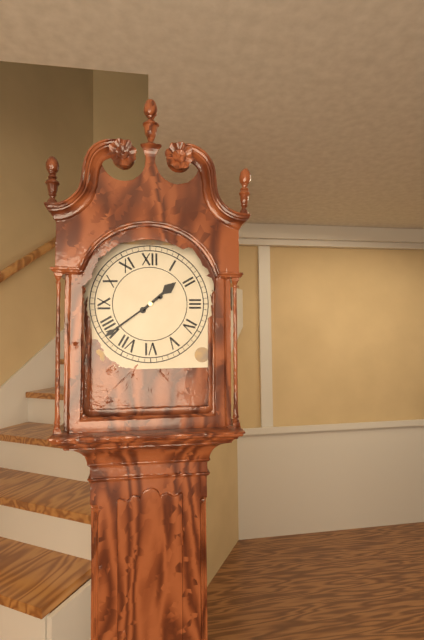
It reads 1h39
